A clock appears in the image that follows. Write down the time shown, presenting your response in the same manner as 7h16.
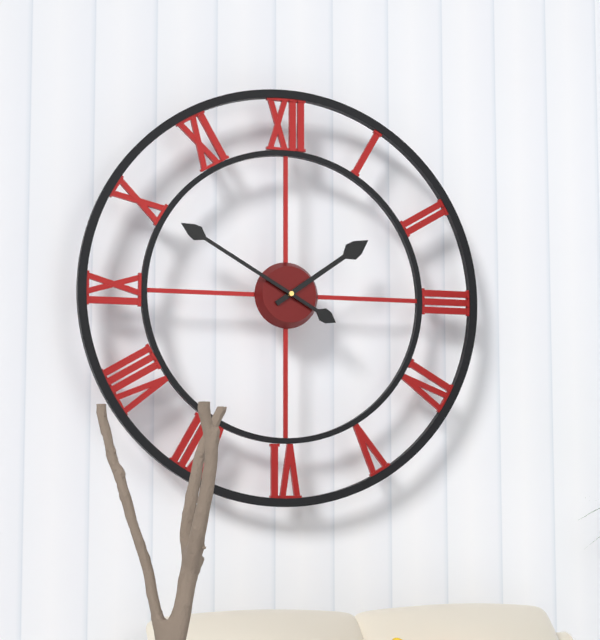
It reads 1h50
